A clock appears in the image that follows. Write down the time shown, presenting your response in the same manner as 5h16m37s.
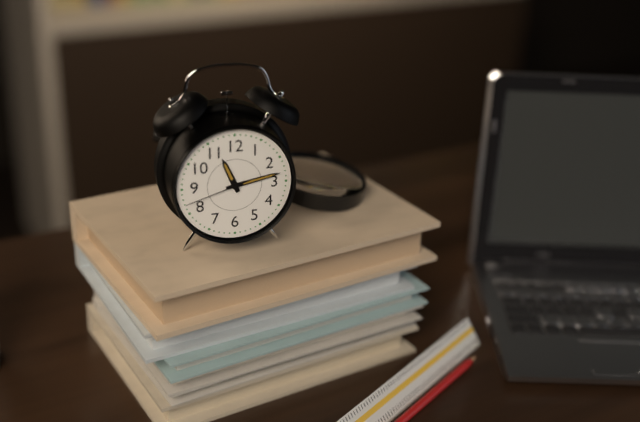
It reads 11h13m42s
